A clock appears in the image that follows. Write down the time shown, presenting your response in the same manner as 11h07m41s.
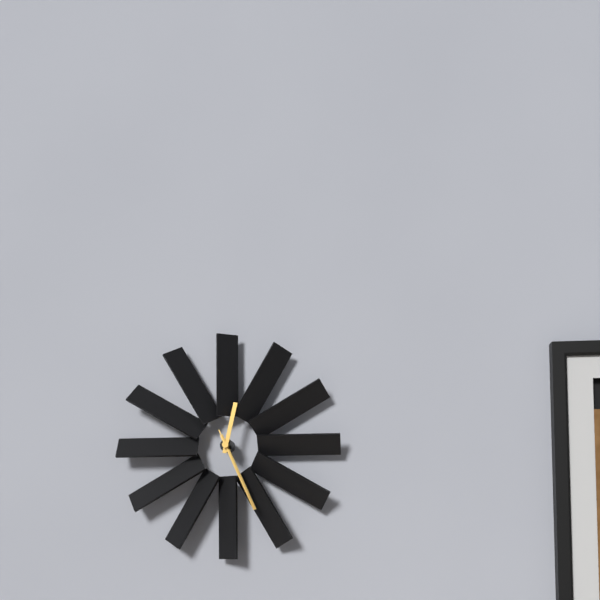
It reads 12h26m26s
